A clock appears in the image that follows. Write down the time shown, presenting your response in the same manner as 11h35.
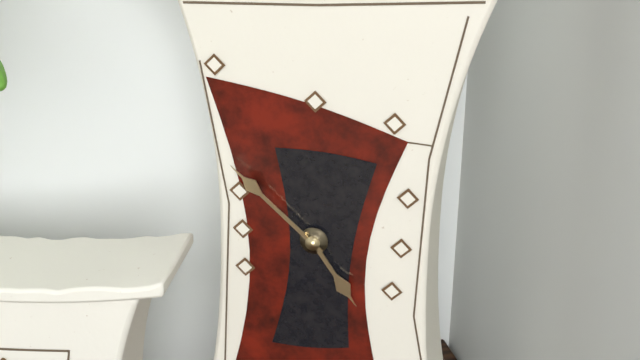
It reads 4h52
